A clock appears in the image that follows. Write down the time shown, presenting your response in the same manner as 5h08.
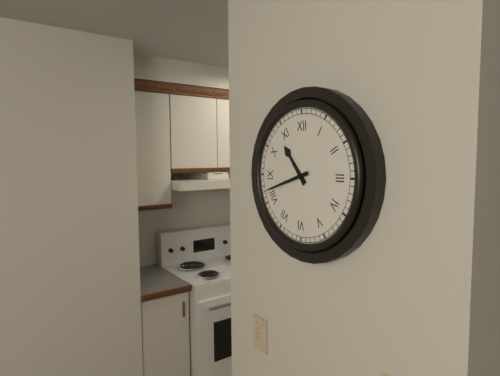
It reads 10h42
